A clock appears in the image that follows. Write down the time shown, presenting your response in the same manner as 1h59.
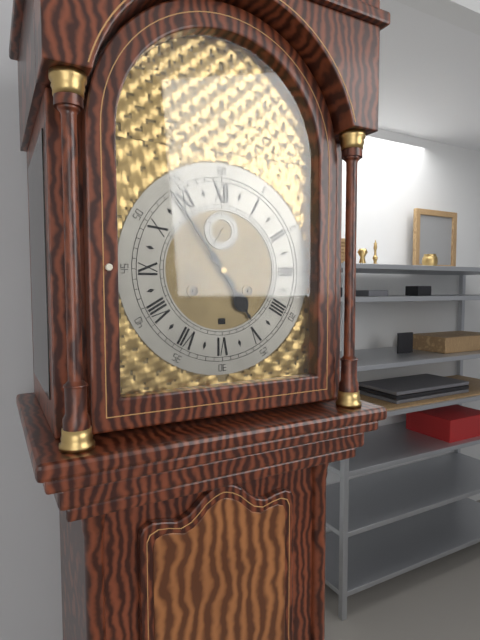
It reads 4h54
